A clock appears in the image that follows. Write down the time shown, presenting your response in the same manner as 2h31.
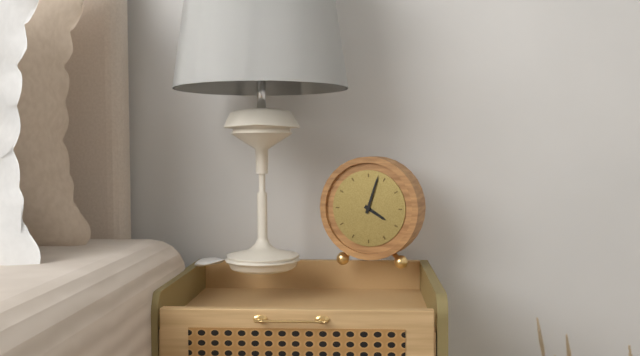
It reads 4h03
